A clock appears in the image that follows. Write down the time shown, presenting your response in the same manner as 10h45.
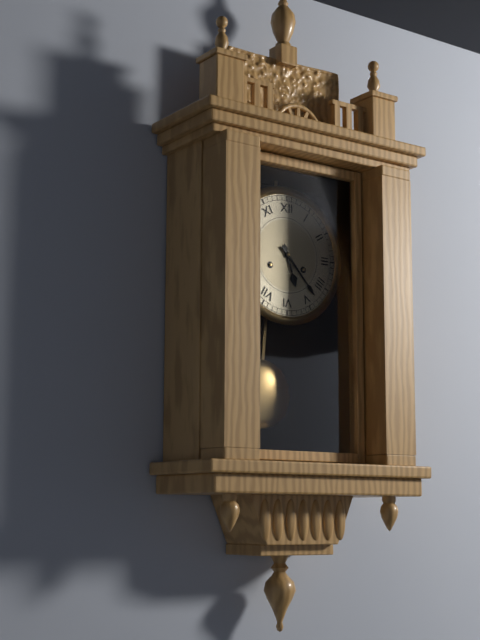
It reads 5h23
